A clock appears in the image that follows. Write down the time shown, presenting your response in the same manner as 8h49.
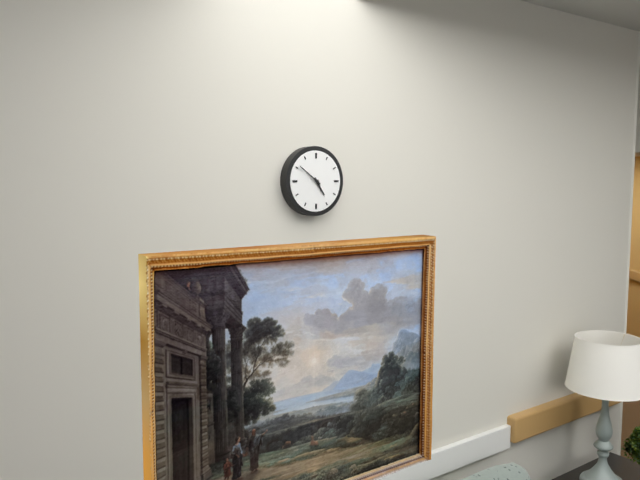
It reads 4h51
